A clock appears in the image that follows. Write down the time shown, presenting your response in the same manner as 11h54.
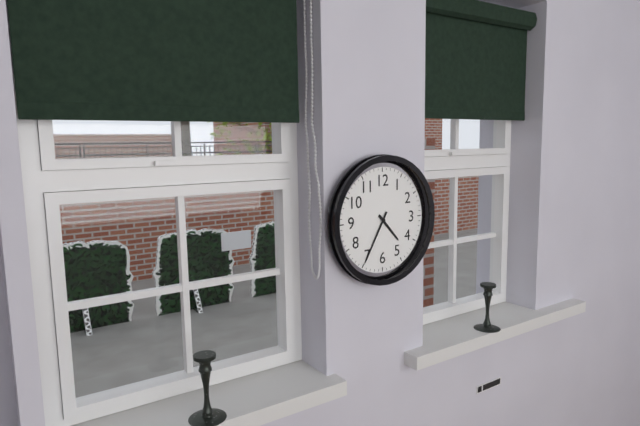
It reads 4h35
